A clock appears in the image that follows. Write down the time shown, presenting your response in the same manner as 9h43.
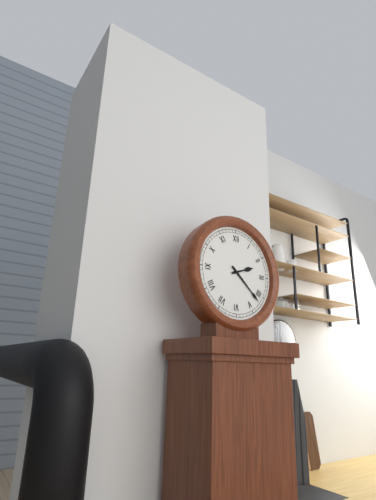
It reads 2h22
